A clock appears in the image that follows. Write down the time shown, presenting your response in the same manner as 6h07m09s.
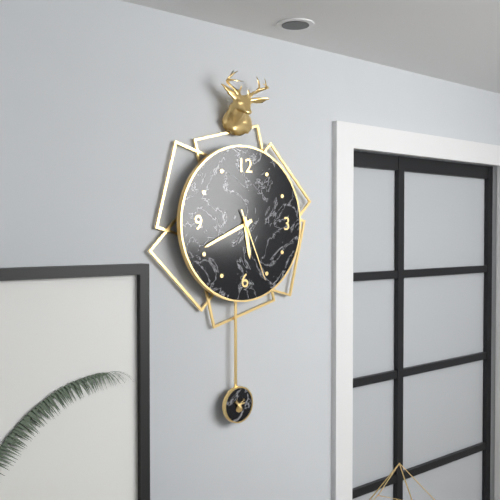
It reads 5h41m26s
